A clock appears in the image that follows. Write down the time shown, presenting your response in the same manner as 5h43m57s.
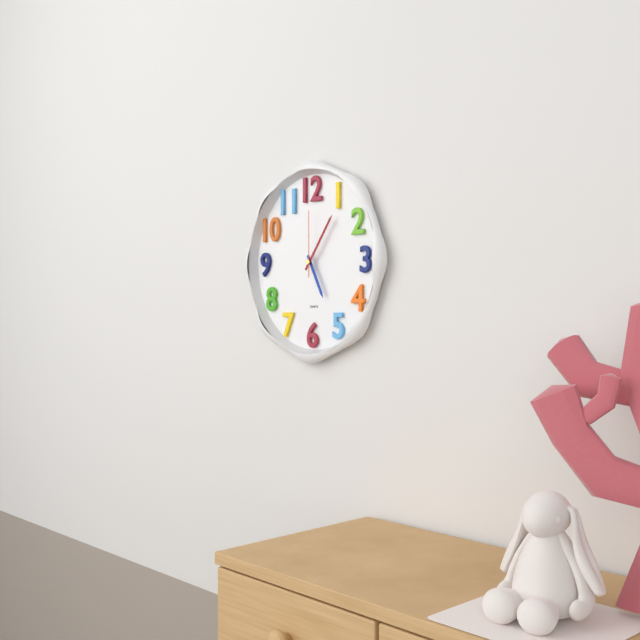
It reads 5h06m00s
